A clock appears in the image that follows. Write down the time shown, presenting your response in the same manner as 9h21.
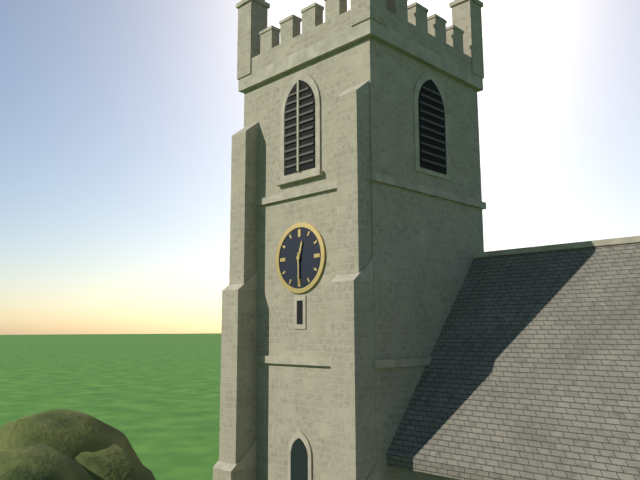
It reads 12h30
